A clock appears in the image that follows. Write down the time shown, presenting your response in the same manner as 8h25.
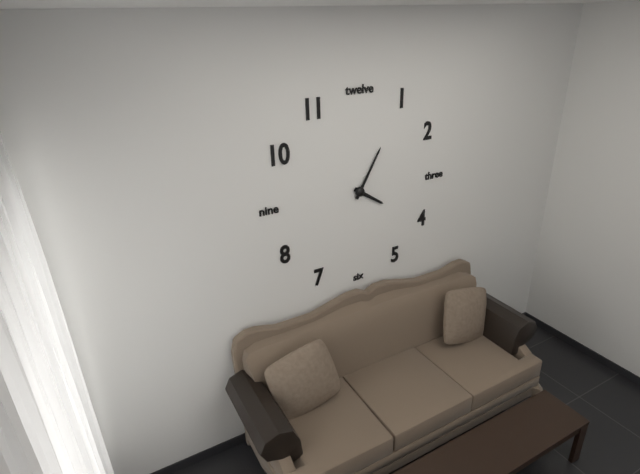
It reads 4h05
